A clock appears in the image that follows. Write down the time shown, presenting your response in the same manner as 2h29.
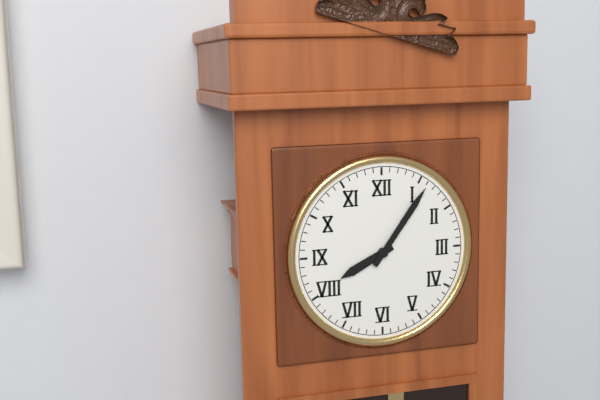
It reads 8h06
